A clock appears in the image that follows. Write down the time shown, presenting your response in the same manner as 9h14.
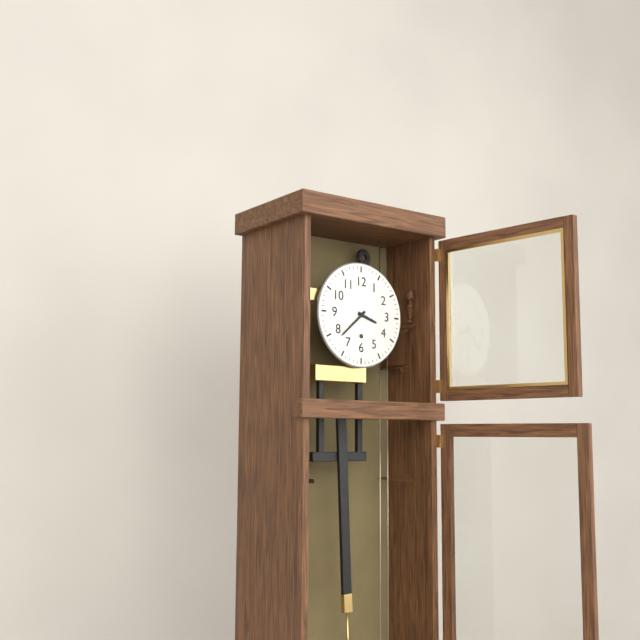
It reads 3h38
